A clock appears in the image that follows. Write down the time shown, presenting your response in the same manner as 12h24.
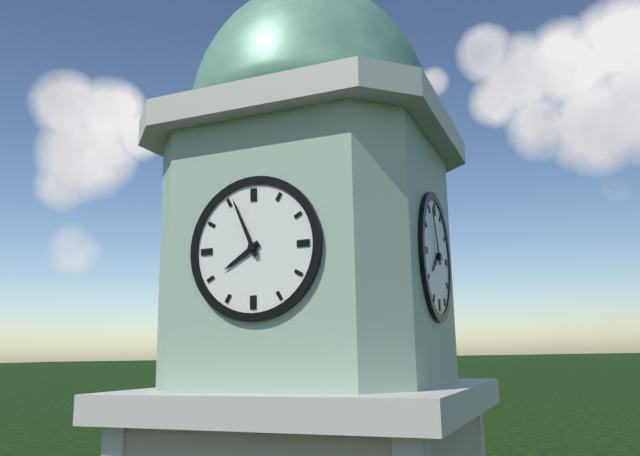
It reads 7h56
